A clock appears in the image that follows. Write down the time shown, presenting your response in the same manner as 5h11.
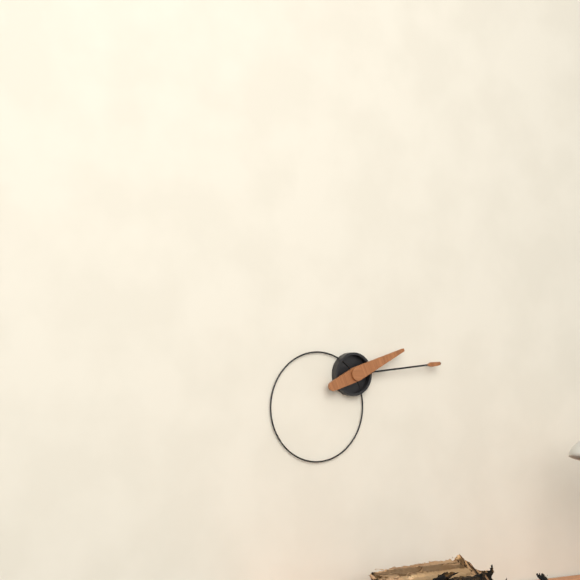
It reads 2h14
